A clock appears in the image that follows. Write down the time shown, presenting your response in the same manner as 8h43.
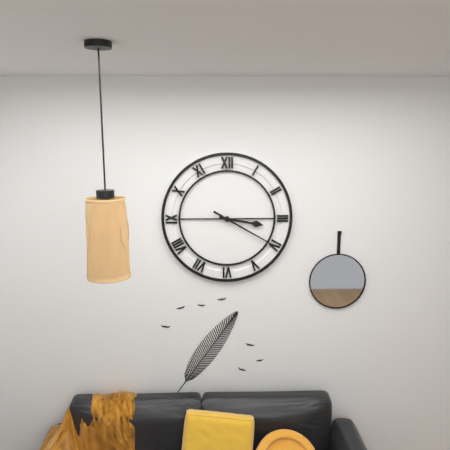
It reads 3h20
